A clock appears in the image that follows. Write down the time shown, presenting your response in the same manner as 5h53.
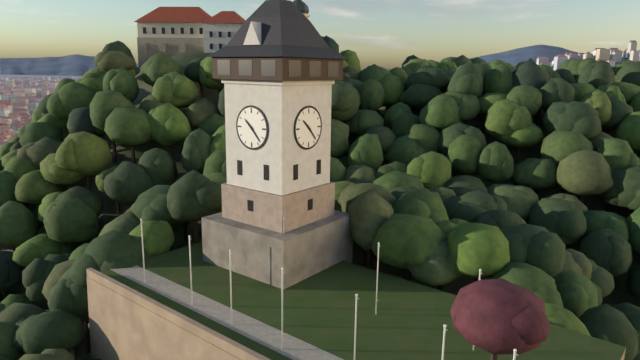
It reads 10h23
